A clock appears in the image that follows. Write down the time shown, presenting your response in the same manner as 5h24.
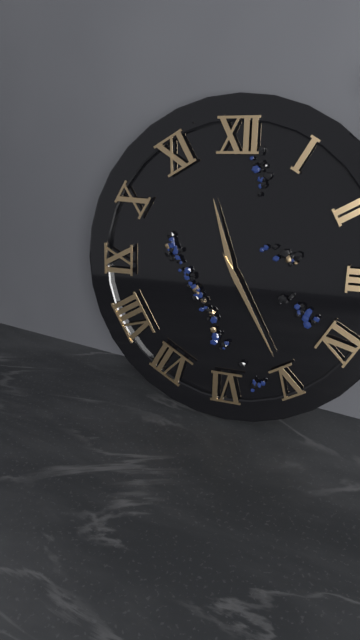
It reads 11h25
